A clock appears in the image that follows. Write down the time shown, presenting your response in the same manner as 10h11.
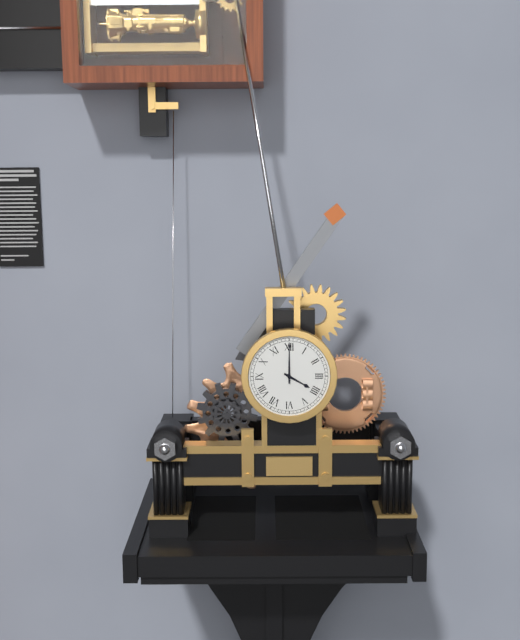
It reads 4h00
